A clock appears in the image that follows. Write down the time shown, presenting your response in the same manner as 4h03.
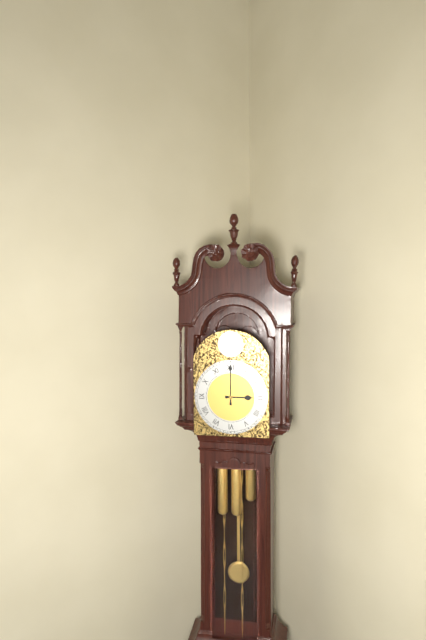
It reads 3h00
